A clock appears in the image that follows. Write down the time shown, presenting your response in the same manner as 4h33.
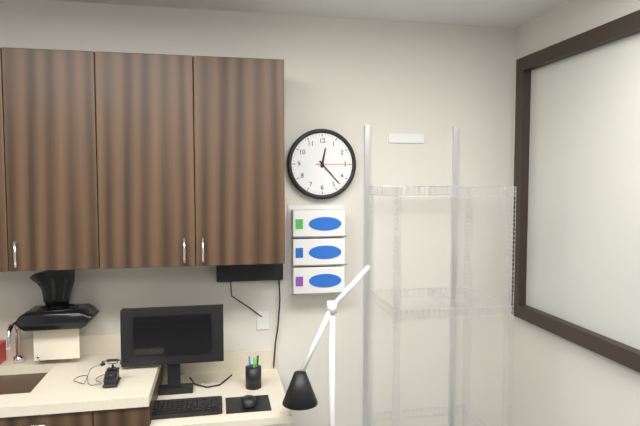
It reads 12h23
